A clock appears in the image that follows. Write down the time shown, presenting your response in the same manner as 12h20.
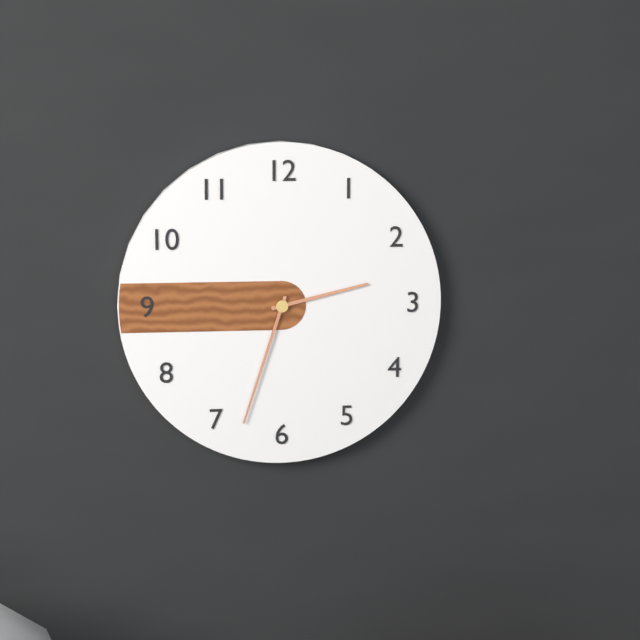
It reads 2h33
